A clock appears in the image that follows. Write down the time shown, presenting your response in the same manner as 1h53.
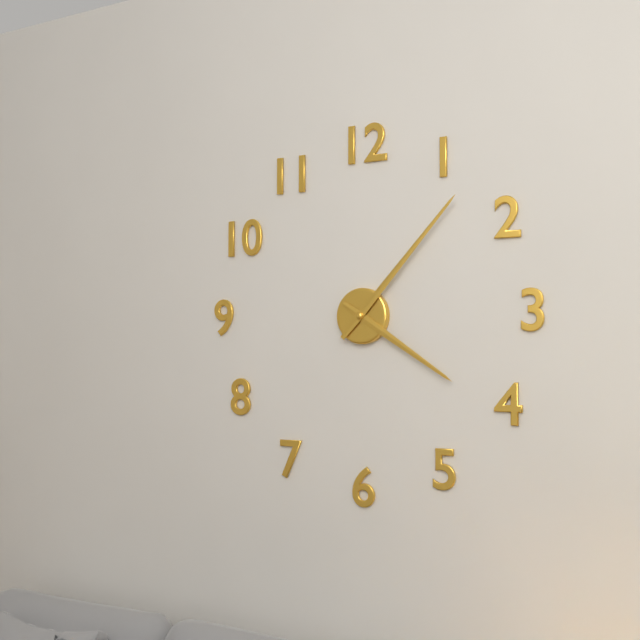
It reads 4h07
